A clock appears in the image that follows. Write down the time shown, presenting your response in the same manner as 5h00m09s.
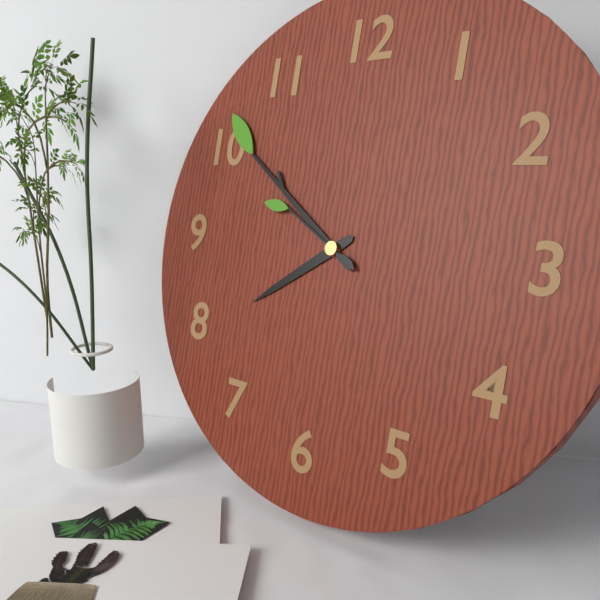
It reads 7h51m50s
